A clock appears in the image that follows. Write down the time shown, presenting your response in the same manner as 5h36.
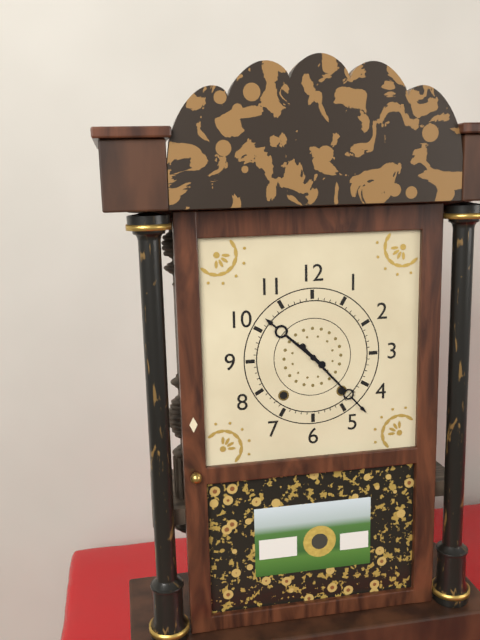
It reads 10h23
